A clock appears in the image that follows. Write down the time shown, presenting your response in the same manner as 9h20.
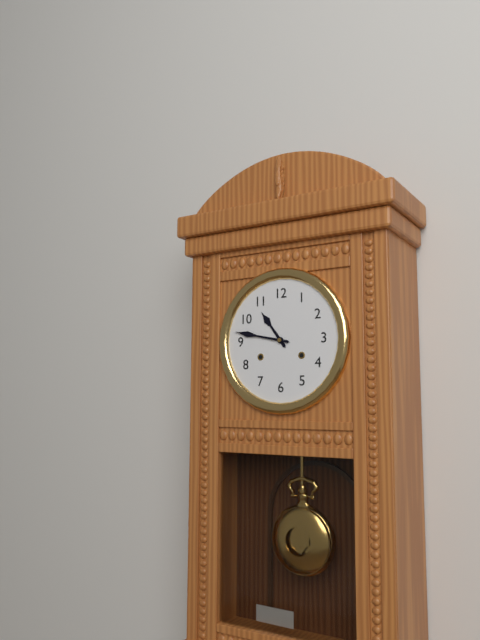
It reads 10h47
